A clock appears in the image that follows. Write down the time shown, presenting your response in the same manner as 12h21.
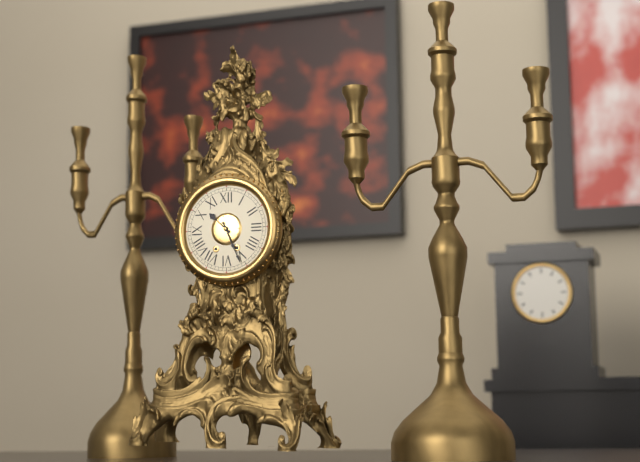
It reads 10h26
